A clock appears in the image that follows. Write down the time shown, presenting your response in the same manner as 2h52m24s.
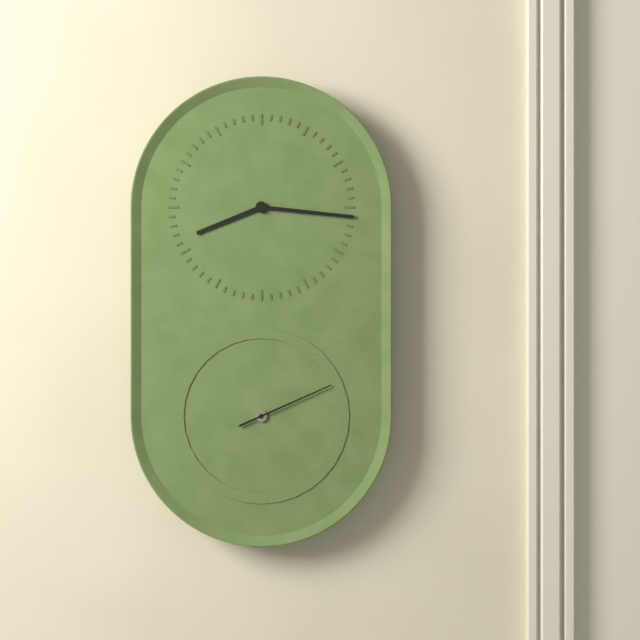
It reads 8h16m11s
